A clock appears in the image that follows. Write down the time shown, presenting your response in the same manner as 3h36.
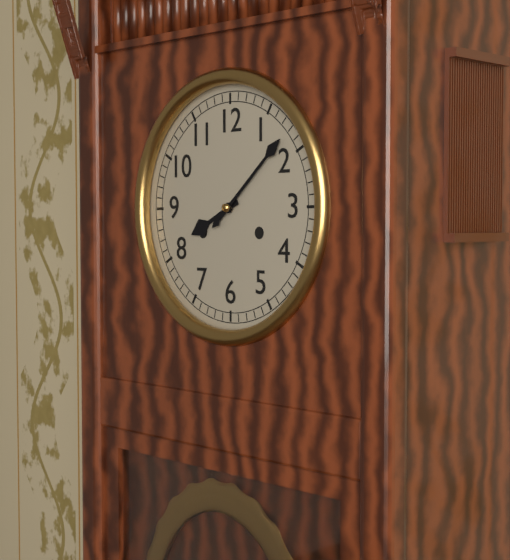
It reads 8h08
